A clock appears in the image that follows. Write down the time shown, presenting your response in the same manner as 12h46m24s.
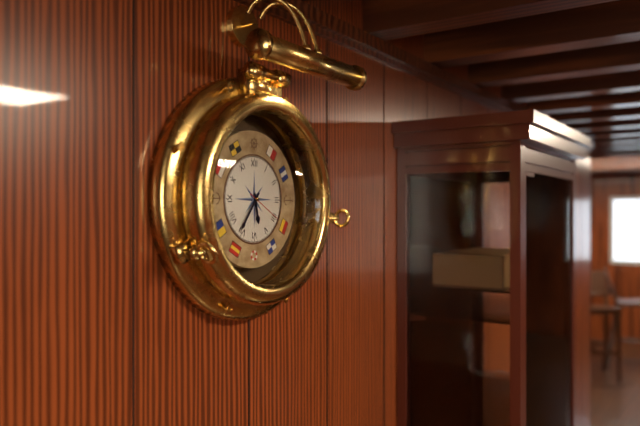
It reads 5h36m20s
